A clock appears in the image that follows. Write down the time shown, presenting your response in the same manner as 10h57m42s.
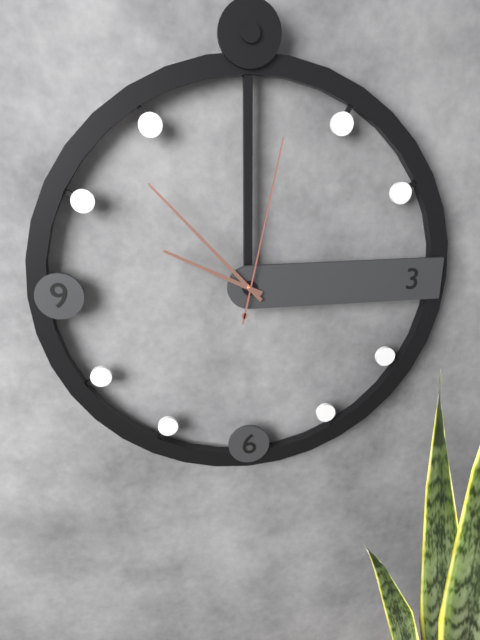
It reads 9h53m02s
